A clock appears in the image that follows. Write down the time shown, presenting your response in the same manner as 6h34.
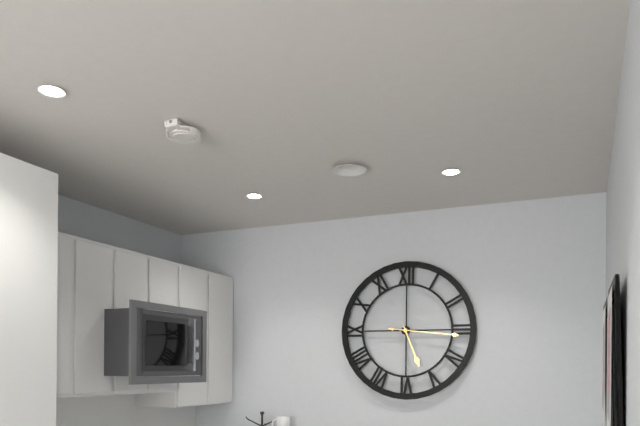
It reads 5h16
